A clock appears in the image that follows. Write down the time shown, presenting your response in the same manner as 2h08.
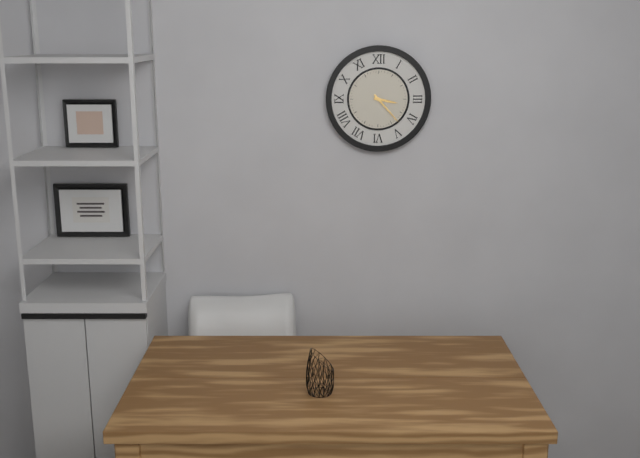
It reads 3h23
